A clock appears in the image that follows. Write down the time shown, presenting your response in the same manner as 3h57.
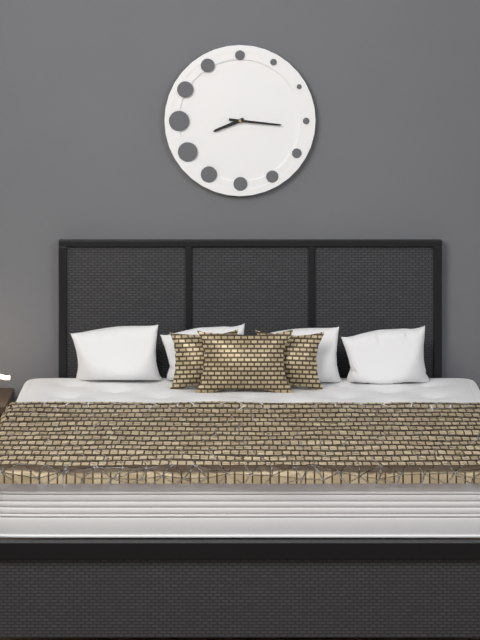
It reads 8h16
